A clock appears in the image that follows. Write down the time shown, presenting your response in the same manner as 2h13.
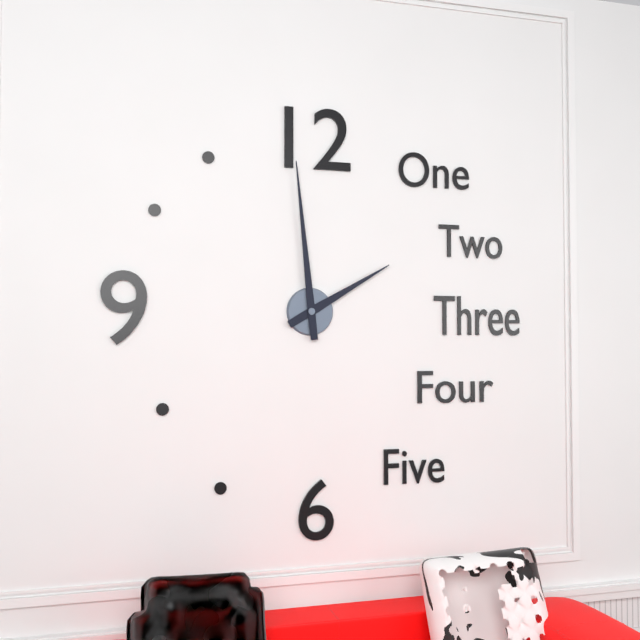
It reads 1h59
